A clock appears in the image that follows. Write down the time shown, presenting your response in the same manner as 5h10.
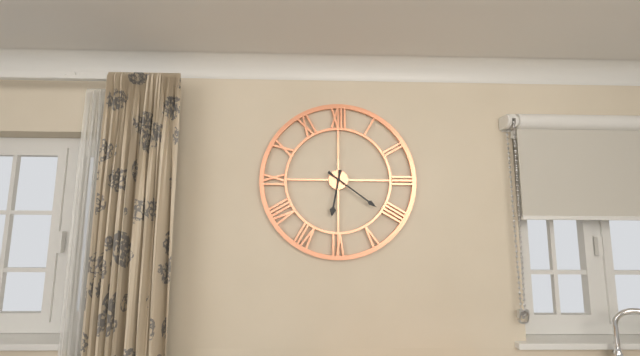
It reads 6h21
